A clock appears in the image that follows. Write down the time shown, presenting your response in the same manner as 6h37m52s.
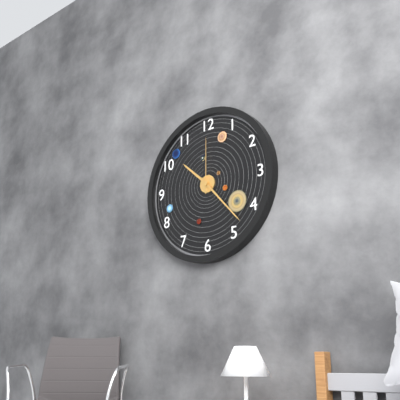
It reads 10h23m00s
